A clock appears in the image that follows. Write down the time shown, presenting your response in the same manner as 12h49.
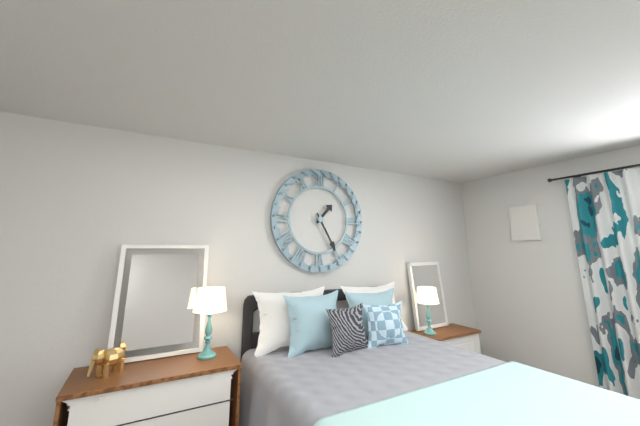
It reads 1h25
